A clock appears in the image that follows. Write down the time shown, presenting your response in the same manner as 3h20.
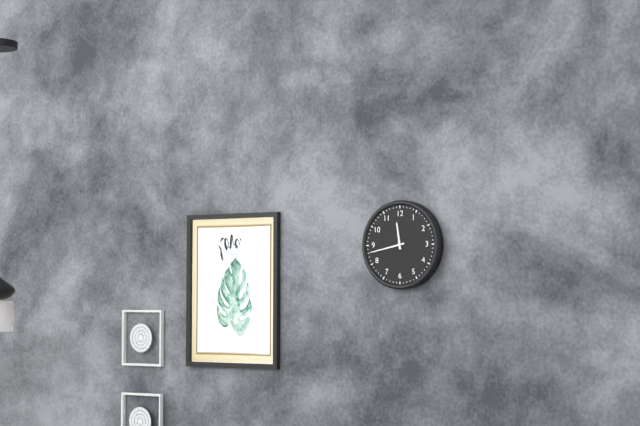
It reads 11h43
